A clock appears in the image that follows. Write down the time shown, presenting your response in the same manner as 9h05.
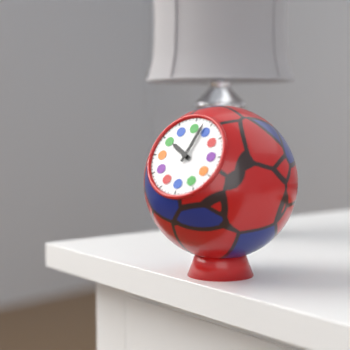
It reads 10h03
